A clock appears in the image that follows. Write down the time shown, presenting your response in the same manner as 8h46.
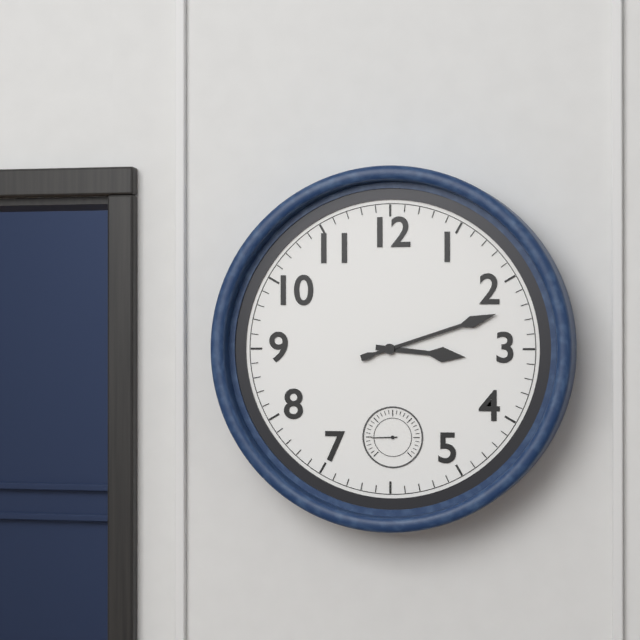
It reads 3h12
